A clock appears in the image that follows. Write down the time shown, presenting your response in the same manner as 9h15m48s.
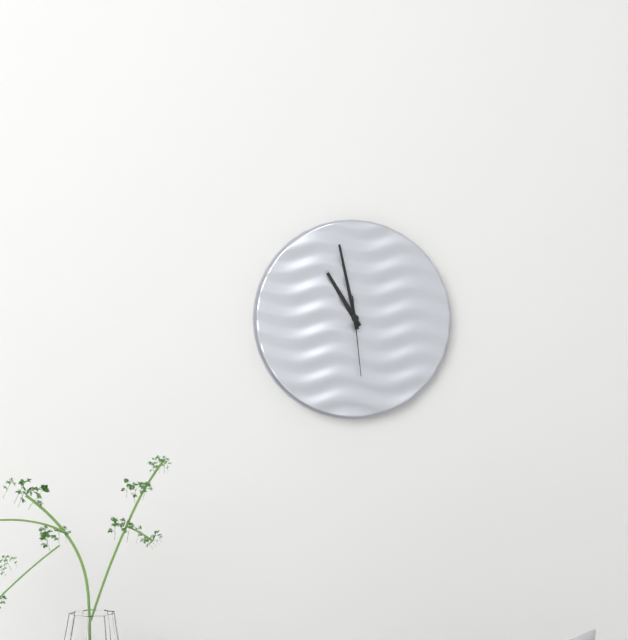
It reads 10h58m29s
